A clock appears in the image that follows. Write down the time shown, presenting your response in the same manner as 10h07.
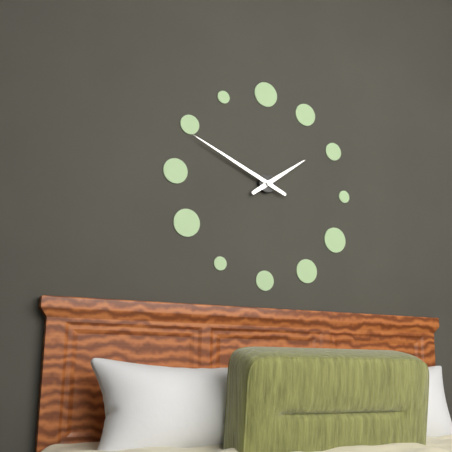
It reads 1h49
